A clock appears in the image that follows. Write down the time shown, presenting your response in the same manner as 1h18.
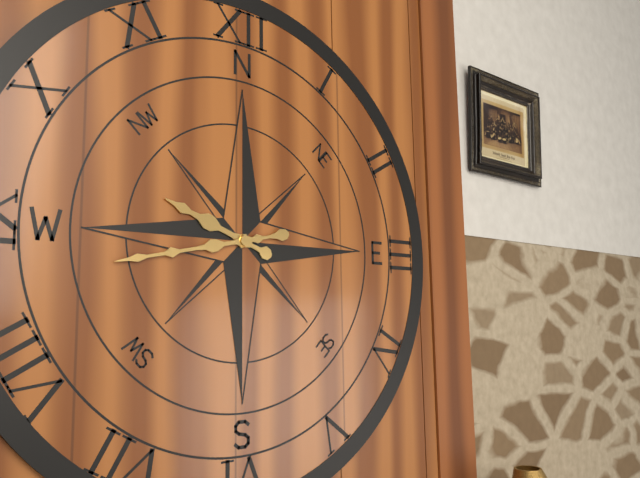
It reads 9h43
